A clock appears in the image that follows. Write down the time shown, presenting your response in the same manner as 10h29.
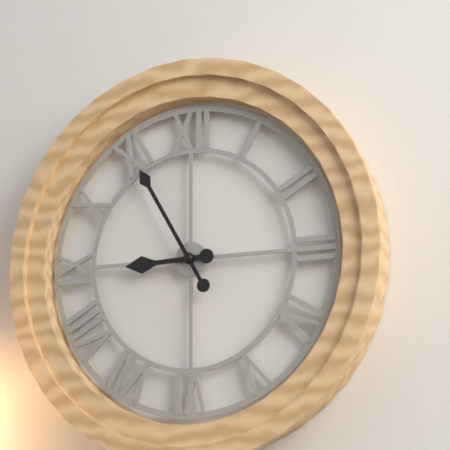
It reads 8h55
